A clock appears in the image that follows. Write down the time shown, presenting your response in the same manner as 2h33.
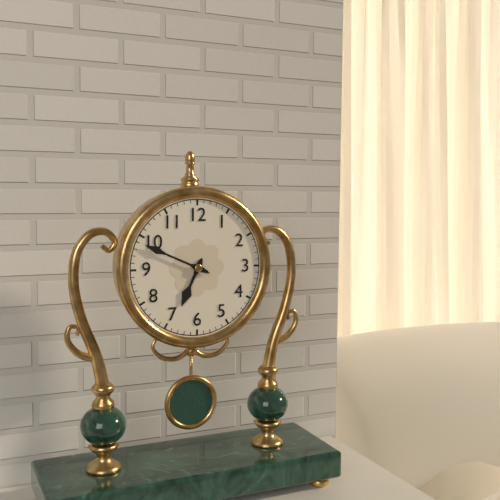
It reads 6h49
